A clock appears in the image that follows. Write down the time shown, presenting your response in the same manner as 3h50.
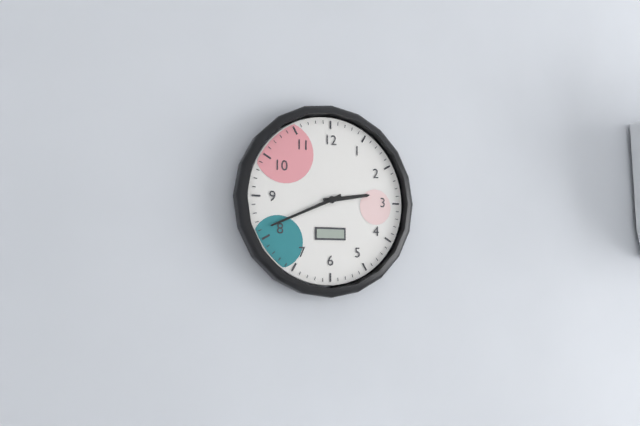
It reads 2h41
